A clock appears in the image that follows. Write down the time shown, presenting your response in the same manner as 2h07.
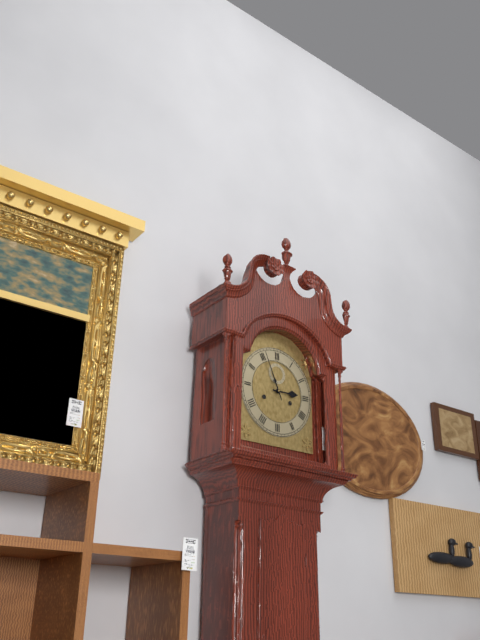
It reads 2h56
